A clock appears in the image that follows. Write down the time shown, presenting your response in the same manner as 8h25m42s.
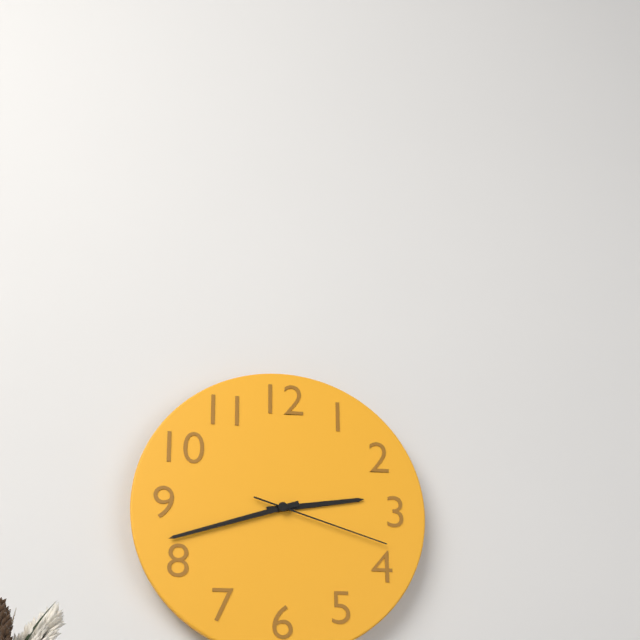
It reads 2h42m18s
